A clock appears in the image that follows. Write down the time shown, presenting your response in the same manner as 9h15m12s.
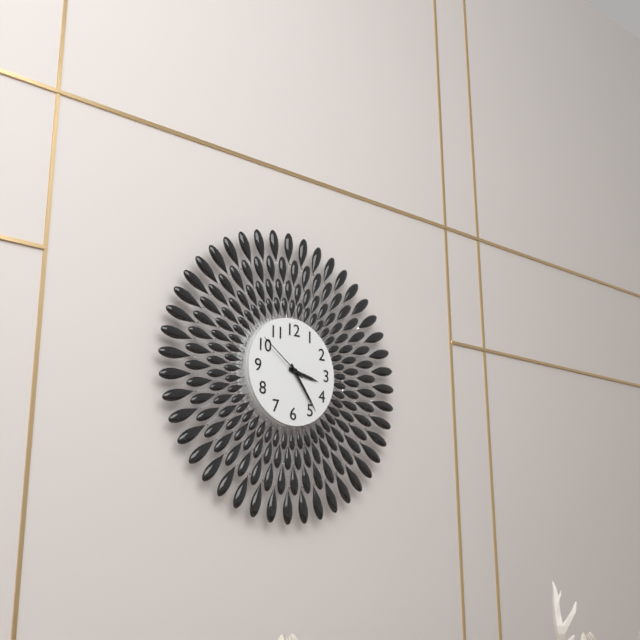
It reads 3h24m51s
